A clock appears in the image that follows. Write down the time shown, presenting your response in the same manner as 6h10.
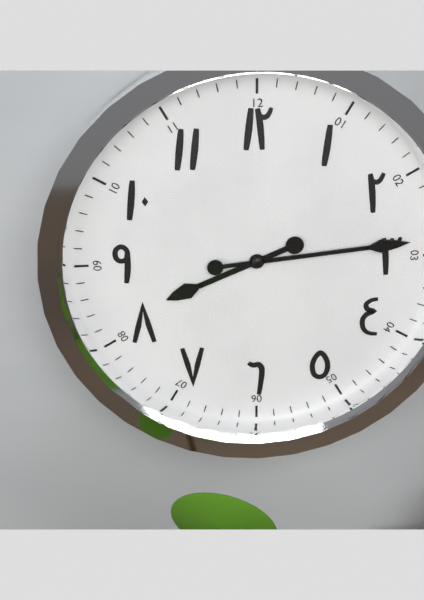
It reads 8h14
